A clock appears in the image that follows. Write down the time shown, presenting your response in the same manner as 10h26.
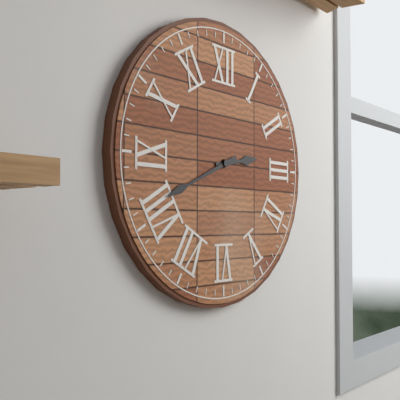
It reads 2h41
